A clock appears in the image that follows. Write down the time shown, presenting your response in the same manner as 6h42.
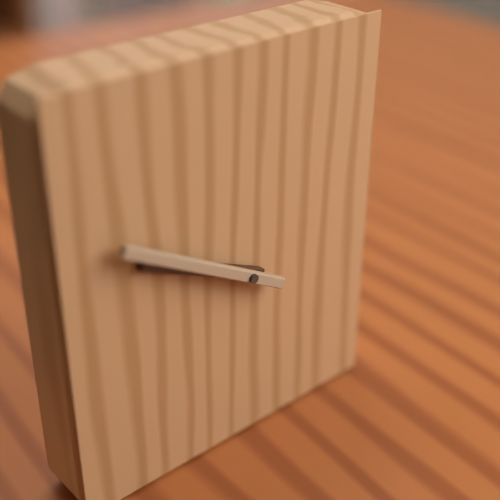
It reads 9h50
